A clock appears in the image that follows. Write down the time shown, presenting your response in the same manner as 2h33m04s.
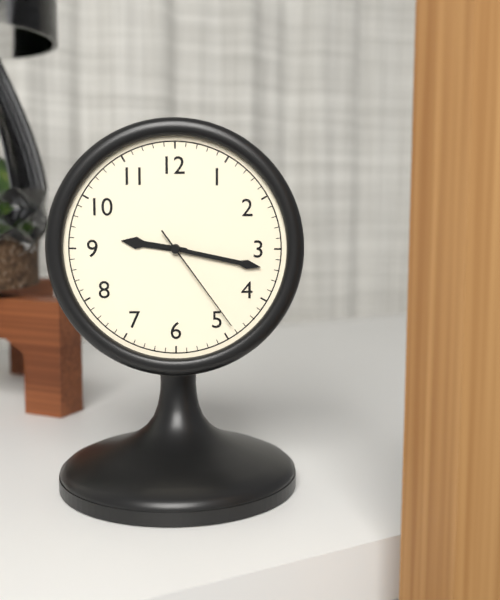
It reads 9h17m24s
